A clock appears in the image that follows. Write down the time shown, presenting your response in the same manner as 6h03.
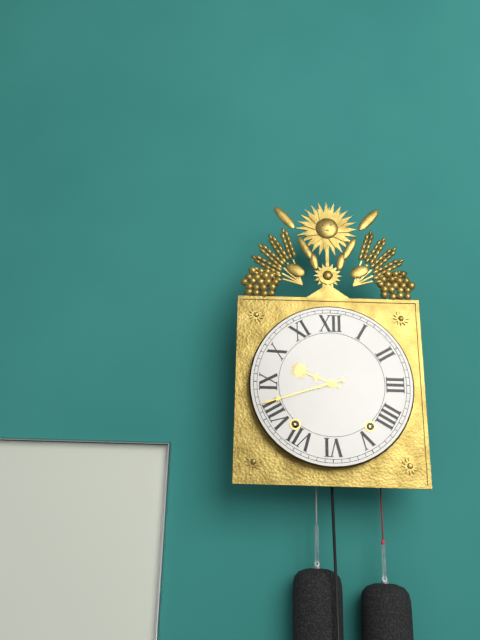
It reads 9h42
